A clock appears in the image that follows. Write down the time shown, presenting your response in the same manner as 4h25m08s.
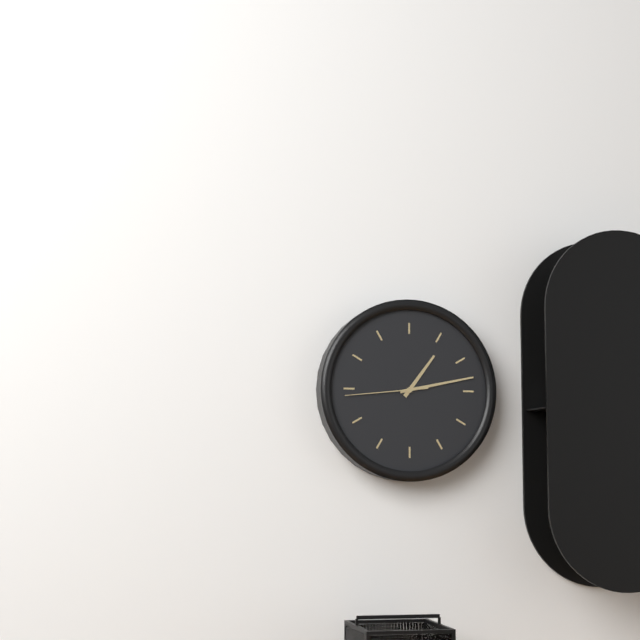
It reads 1h13m44s
